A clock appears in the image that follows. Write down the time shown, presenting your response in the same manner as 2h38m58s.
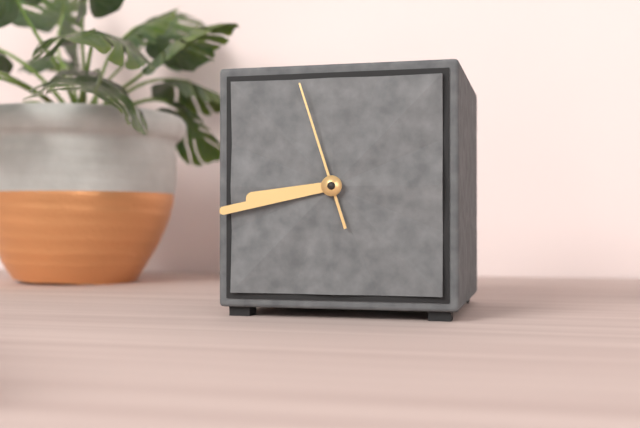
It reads 8h43m57s
